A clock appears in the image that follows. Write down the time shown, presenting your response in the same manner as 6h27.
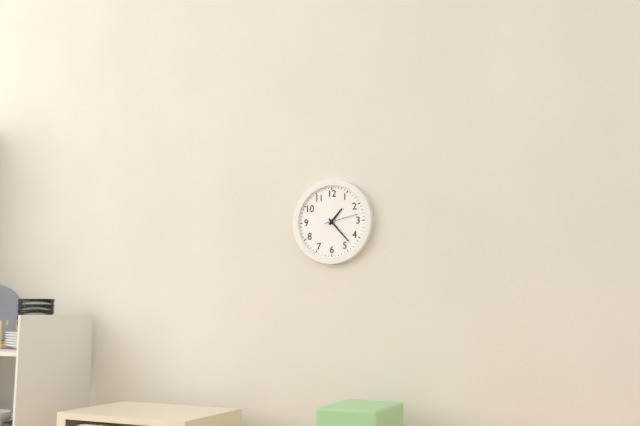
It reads 1h23
